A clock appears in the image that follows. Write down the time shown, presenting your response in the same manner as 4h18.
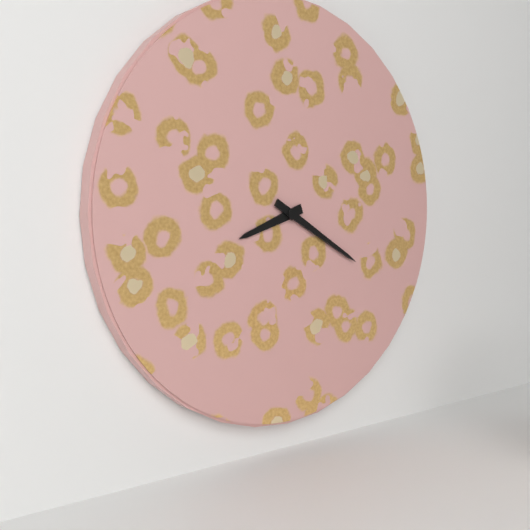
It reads 8h20
